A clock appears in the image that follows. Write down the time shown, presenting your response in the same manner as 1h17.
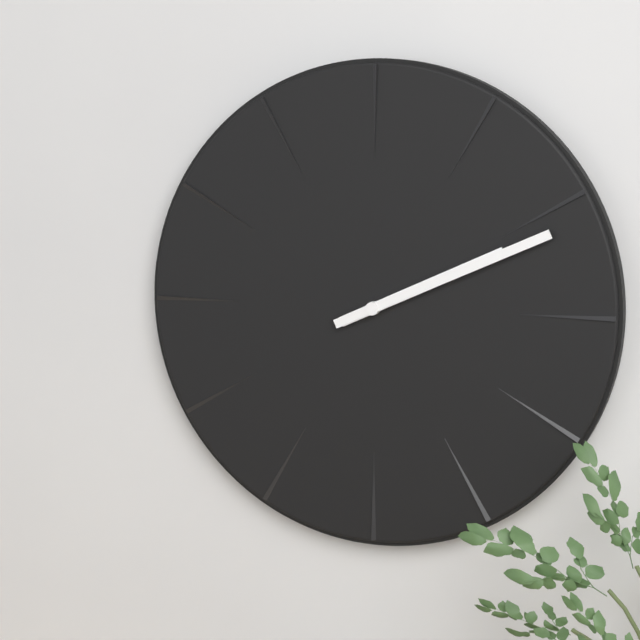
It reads 2h11
